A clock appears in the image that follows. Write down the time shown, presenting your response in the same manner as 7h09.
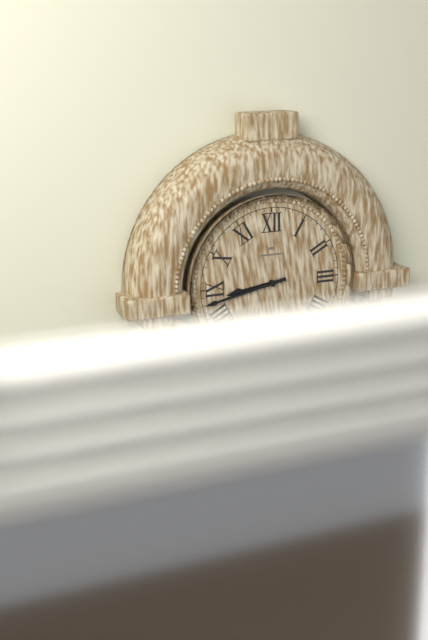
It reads 8h43
